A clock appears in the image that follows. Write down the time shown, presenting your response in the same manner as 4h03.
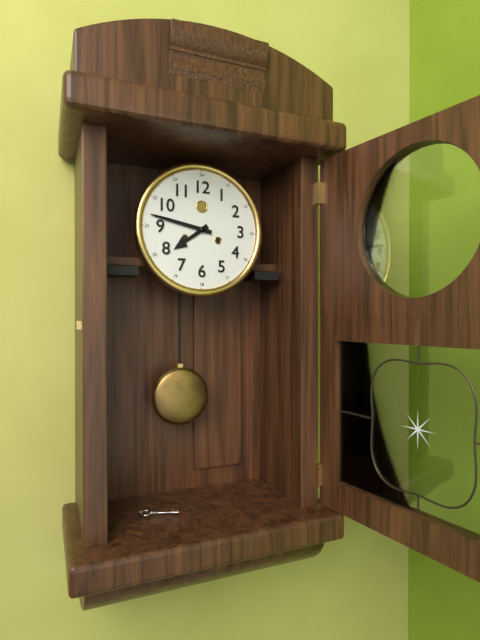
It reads 7h47
